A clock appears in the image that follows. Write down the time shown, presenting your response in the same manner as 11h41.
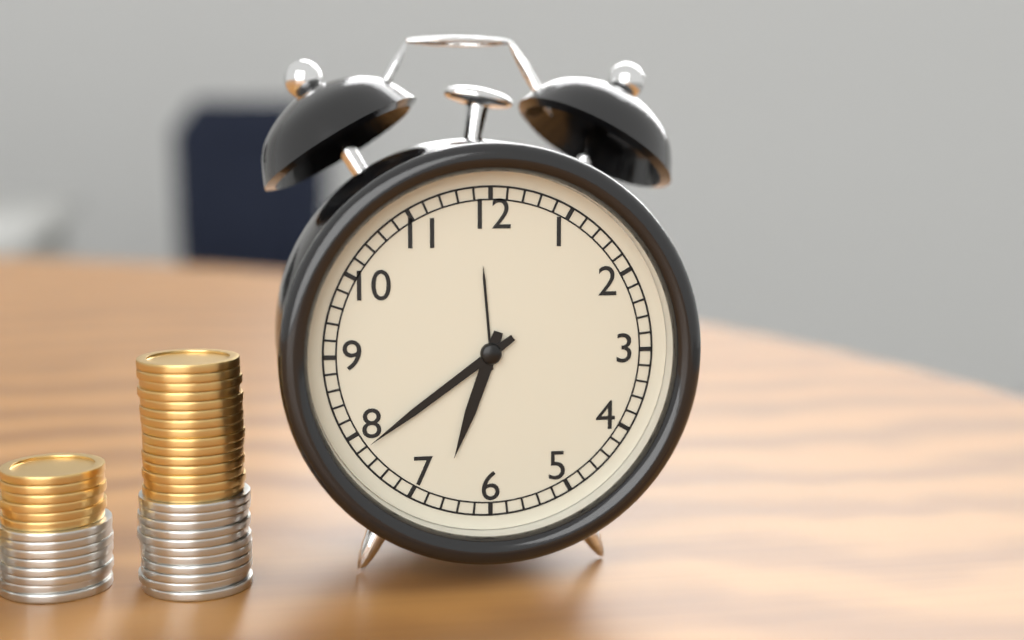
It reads 6h39
